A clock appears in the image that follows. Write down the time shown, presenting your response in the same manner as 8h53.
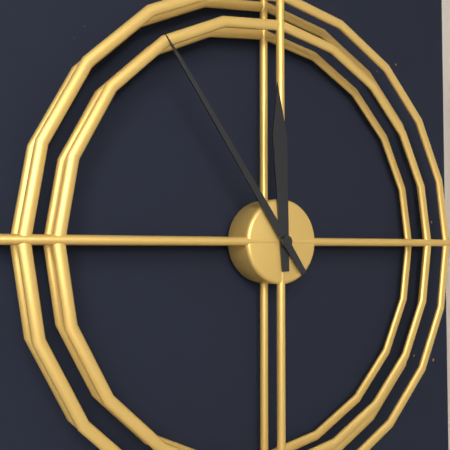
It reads 11h54
